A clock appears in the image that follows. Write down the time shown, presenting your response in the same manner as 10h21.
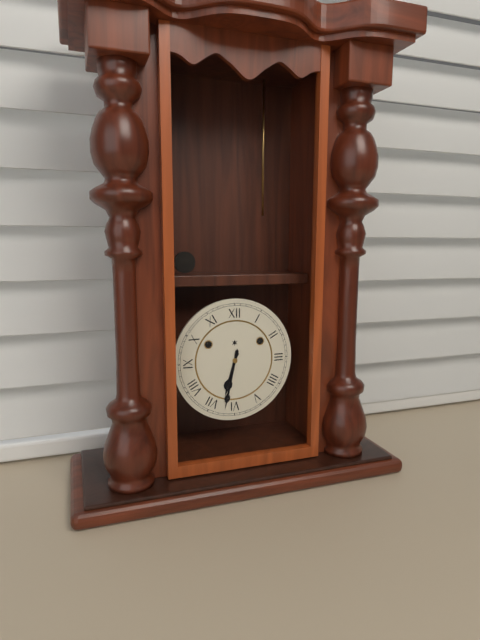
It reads 6h32
